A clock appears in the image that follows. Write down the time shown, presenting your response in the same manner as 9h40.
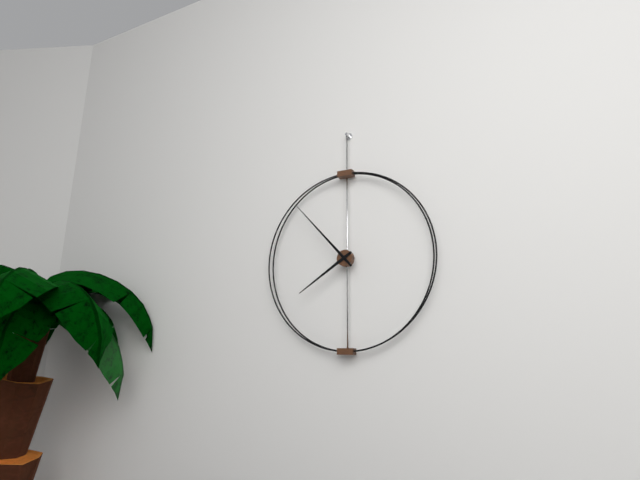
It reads 7h53
